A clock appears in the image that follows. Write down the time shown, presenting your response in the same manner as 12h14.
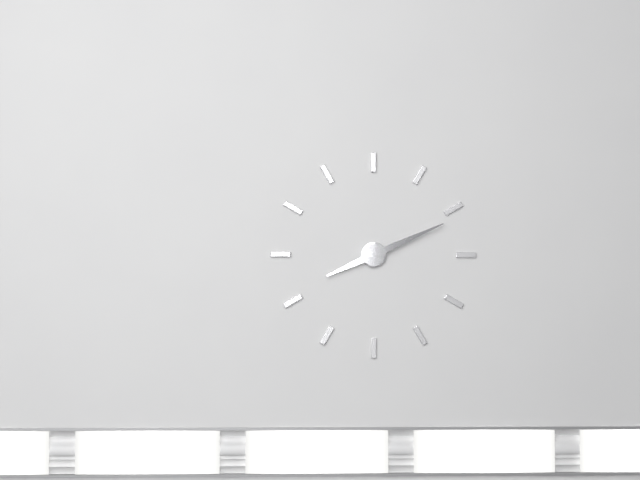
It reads 8h11
